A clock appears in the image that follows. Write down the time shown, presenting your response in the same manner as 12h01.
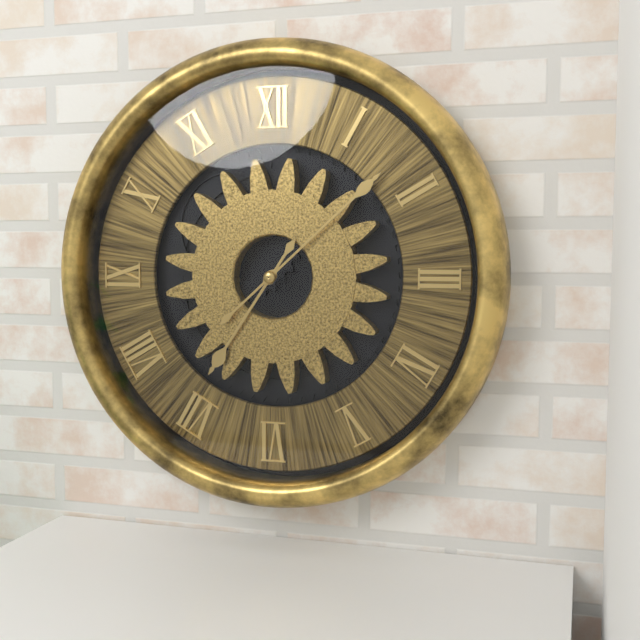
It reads 7h08
